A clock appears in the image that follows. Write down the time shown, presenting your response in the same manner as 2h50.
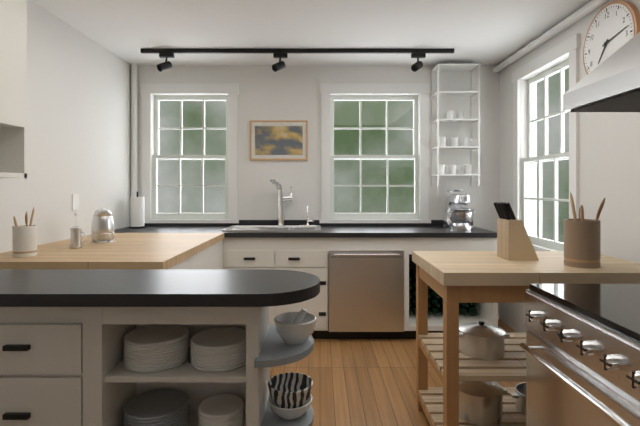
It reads 7h13
